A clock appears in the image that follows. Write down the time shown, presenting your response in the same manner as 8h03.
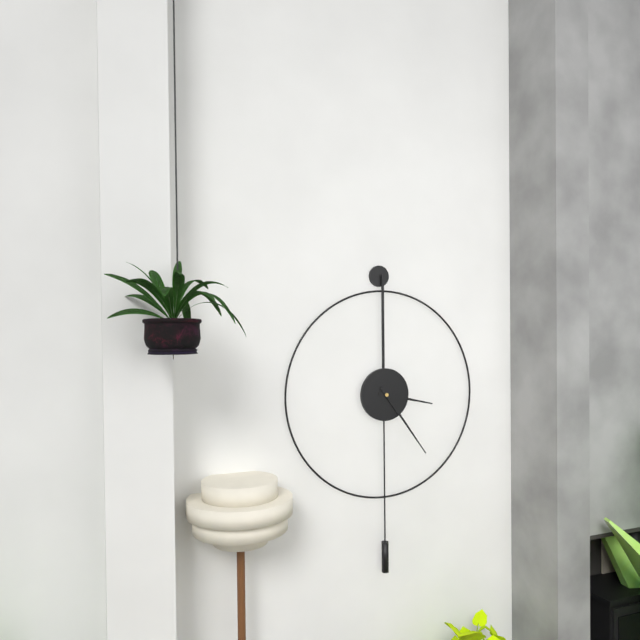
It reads 3h24
